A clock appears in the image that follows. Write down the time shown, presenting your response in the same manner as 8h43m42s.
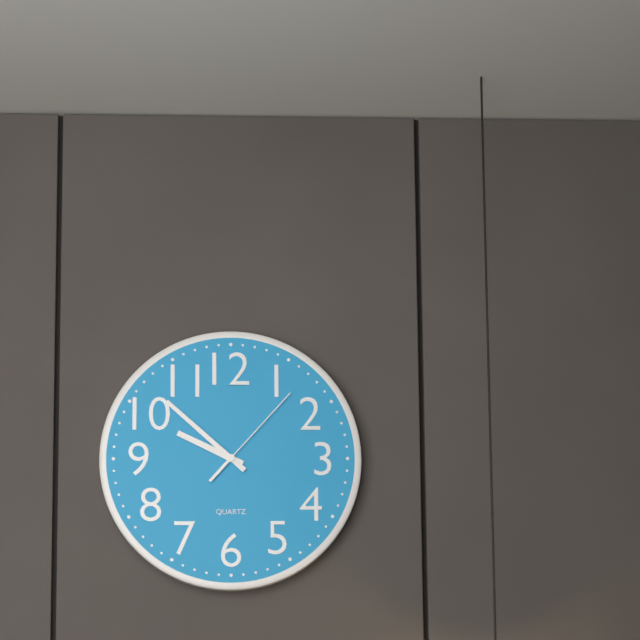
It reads 9h52m07s
